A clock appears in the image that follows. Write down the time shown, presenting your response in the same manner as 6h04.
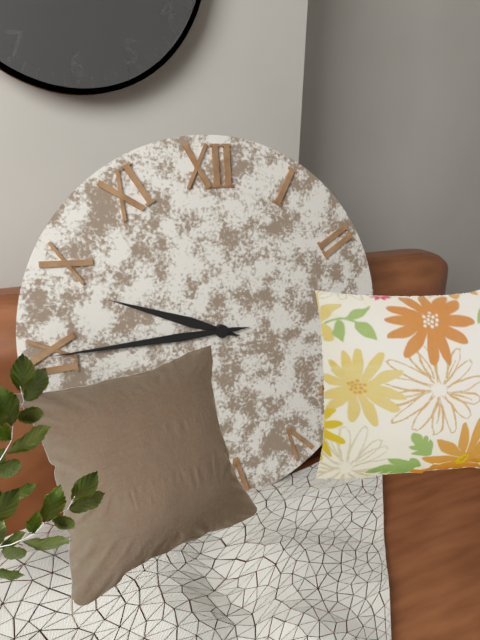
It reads 9h45
